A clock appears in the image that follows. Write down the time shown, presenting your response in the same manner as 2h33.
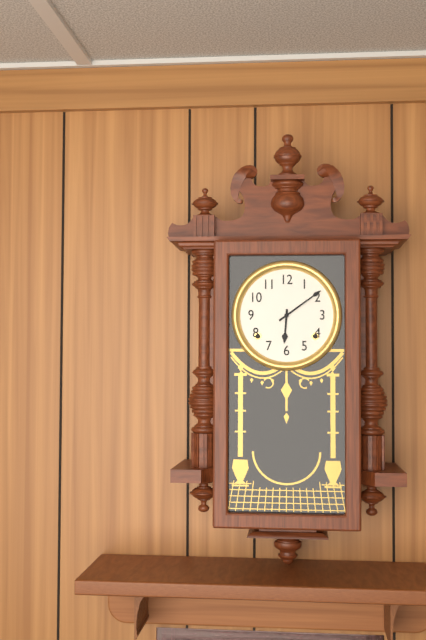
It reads 6h09
